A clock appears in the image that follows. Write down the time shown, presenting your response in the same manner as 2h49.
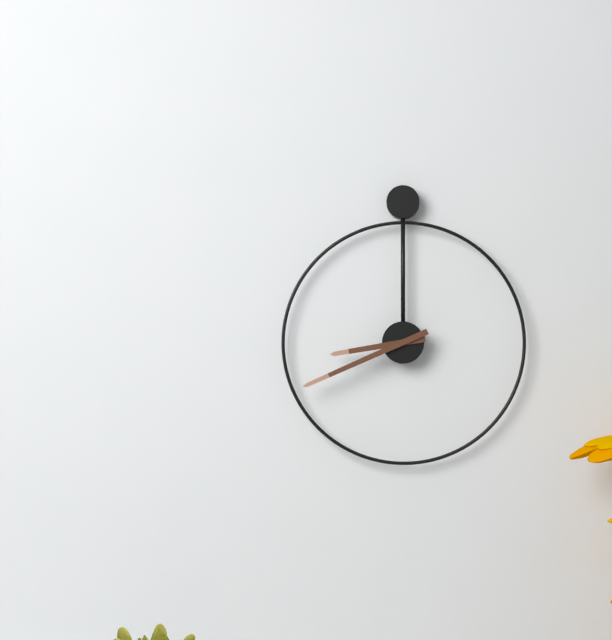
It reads 8h41
